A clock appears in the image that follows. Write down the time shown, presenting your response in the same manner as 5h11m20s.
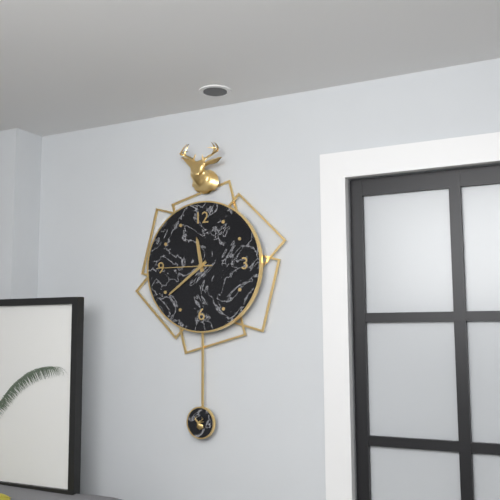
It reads 11h39m45s
